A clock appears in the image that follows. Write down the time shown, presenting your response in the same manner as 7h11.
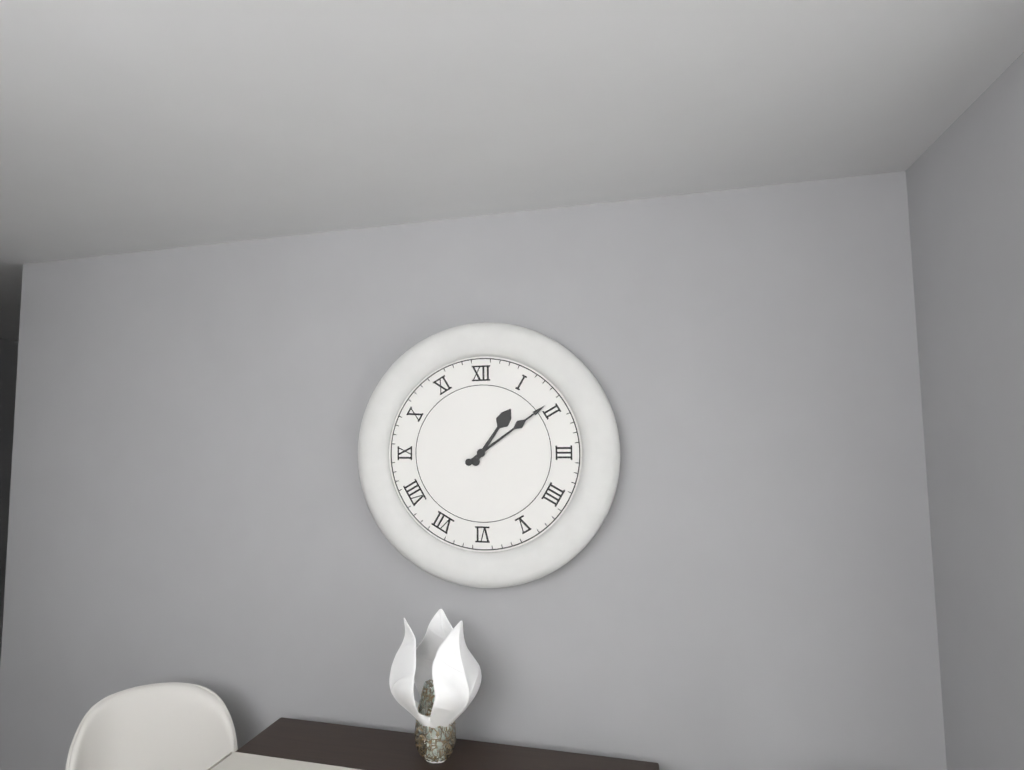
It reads 1h09
